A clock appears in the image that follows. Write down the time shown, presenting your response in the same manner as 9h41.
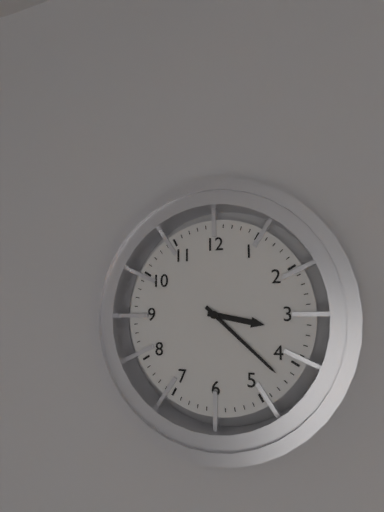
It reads 3h22
